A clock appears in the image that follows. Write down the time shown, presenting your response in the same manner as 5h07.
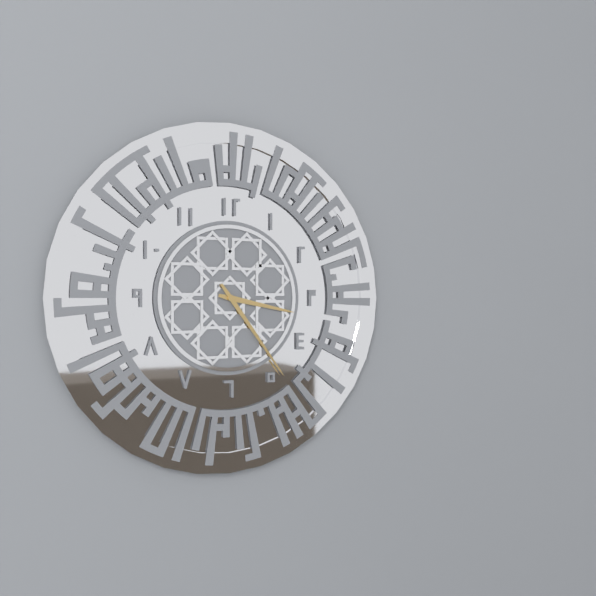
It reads 3h24
